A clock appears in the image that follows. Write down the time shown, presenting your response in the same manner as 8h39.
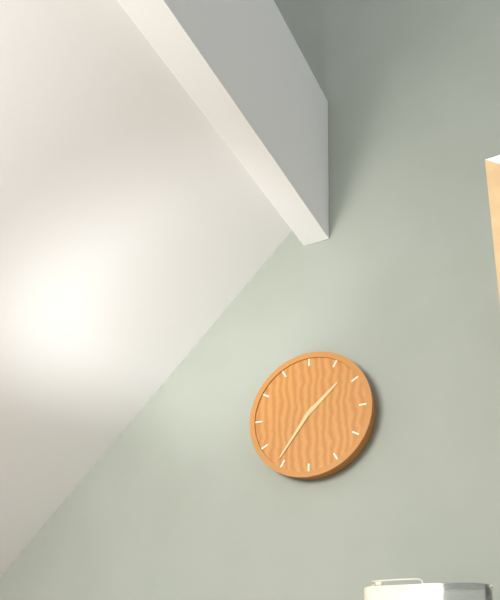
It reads 1h36
